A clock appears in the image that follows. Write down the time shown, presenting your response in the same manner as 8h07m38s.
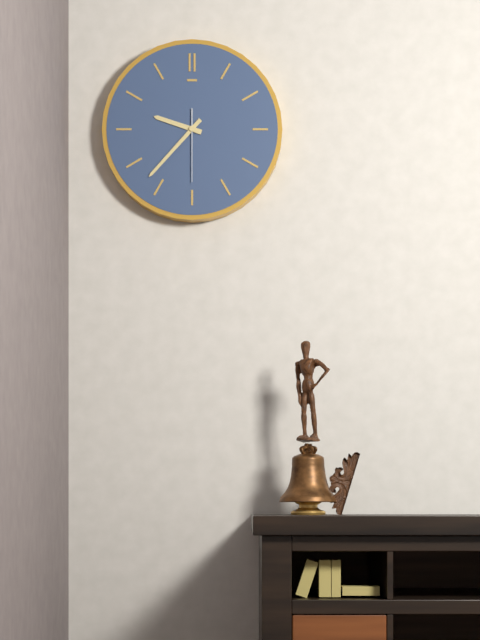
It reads 9h37m30s
